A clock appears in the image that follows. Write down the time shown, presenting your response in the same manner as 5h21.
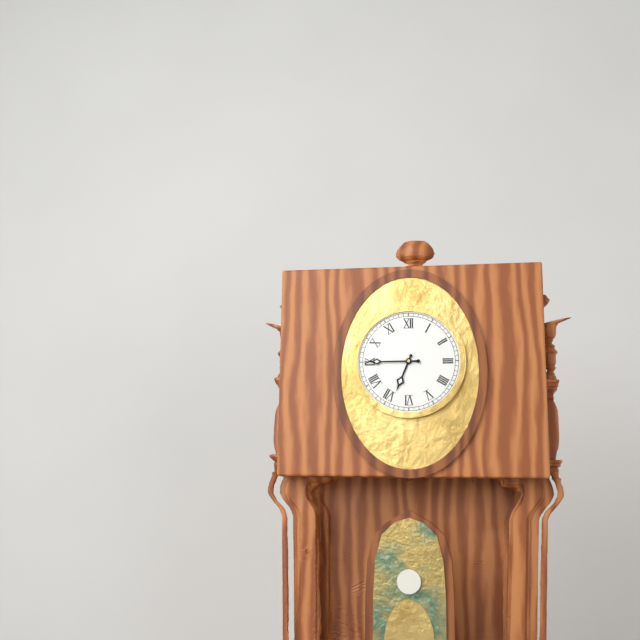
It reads 6h45
